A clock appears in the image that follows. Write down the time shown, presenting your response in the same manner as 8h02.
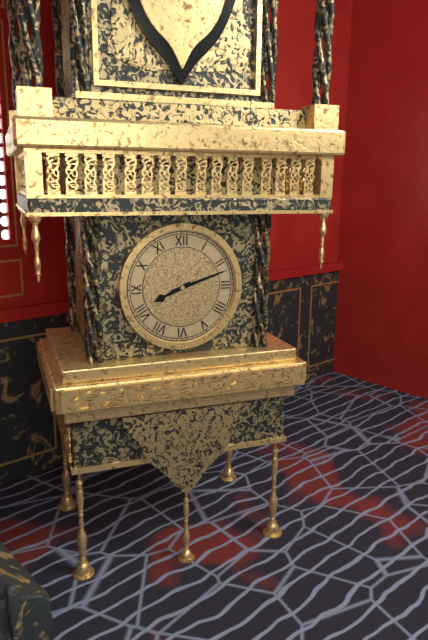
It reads 8h12
